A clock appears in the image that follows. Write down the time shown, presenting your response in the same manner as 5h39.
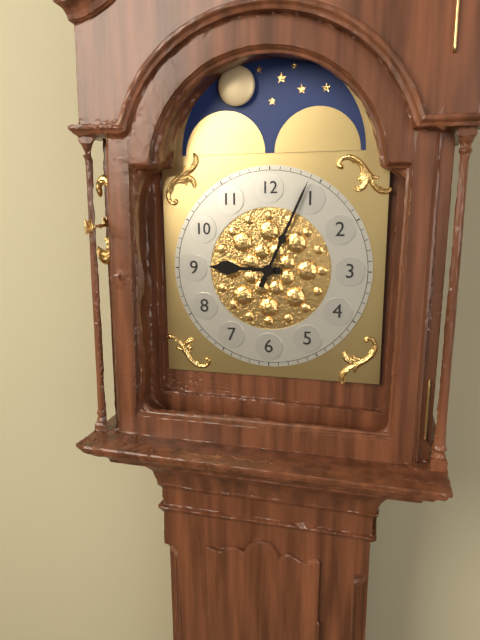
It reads 9h04
